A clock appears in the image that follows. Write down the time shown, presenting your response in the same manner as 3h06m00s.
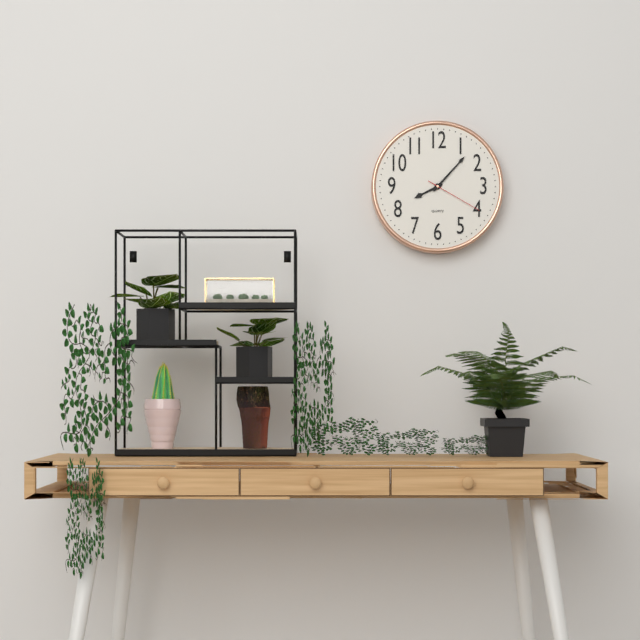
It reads 8h07m20s
